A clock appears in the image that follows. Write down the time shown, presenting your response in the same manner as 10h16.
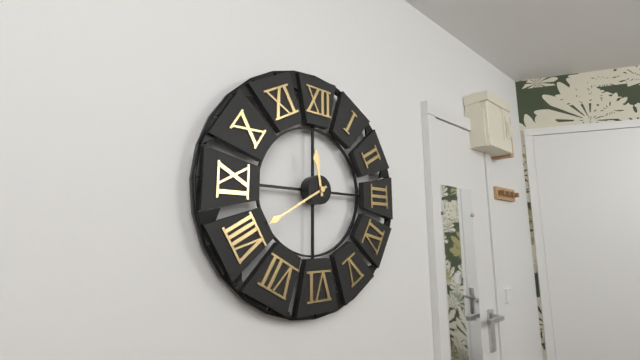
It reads 11h40
